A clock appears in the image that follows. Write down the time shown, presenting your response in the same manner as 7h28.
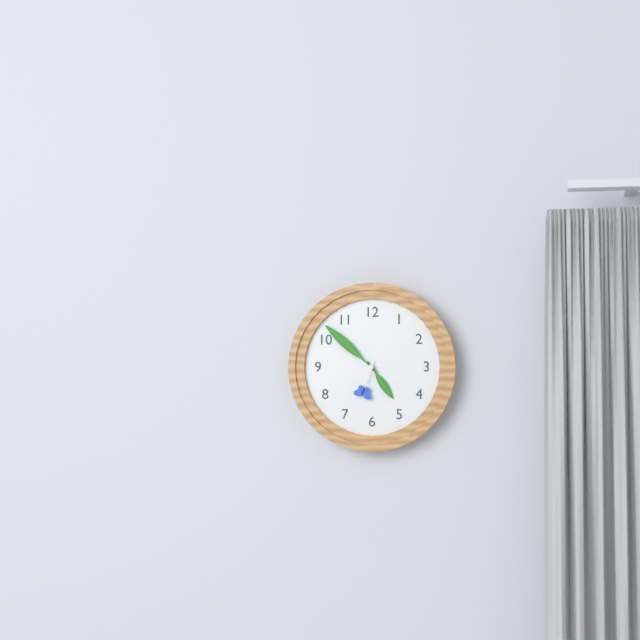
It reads 4h52
